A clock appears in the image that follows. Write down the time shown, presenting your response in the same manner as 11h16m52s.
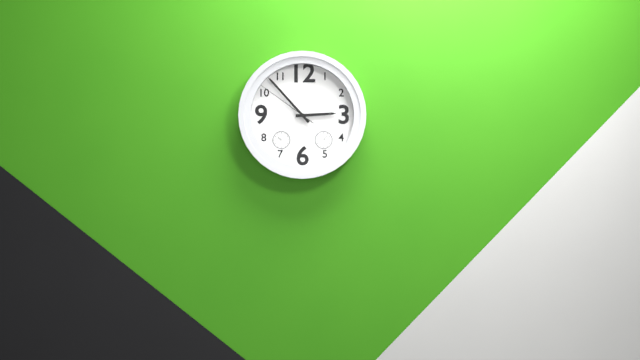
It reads 2h53m51s
